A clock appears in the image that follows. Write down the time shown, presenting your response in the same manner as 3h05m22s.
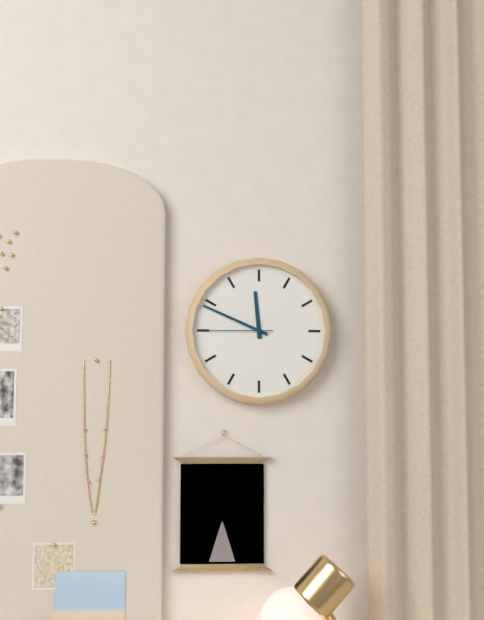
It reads 11h49m45s
